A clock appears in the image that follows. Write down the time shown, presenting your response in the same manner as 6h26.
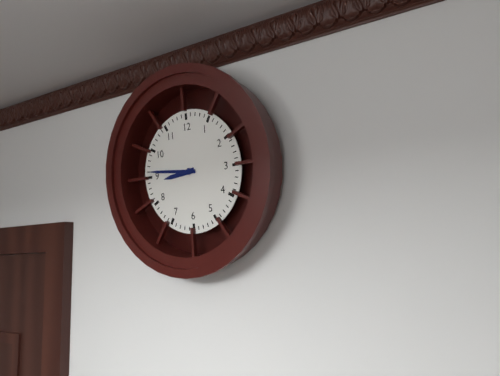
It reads 8h46
